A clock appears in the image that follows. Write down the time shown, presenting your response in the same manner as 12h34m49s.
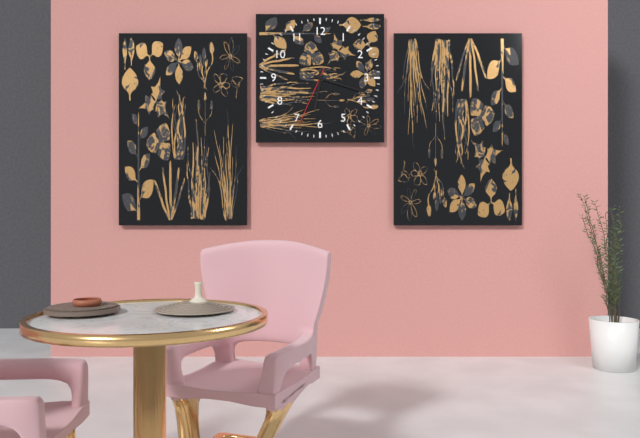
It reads 6h18m34s
